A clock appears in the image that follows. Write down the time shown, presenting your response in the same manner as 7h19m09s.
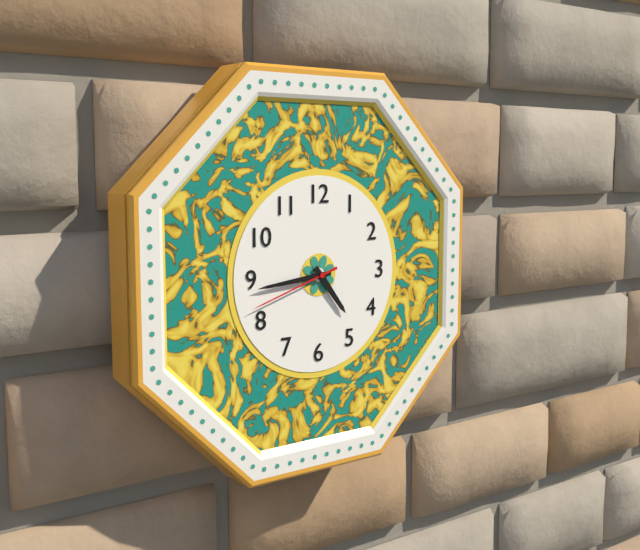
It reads 4h44m42s
